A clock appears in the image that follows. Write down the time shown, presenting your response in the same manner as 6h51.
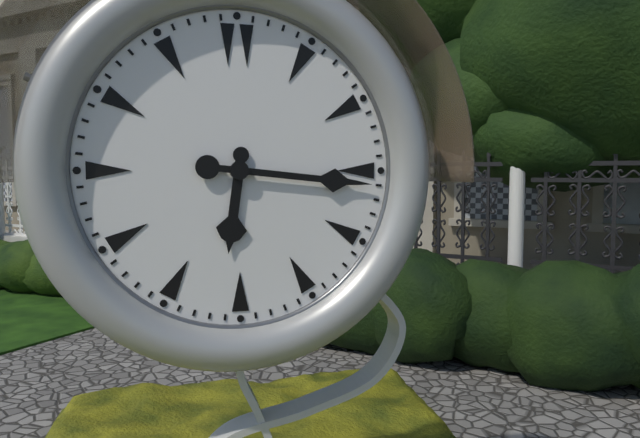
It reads 6h16
